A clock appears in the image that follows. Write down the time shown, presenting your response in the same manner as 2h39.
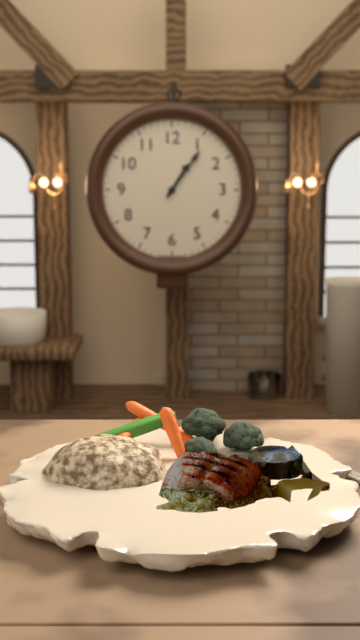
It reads 1h06
